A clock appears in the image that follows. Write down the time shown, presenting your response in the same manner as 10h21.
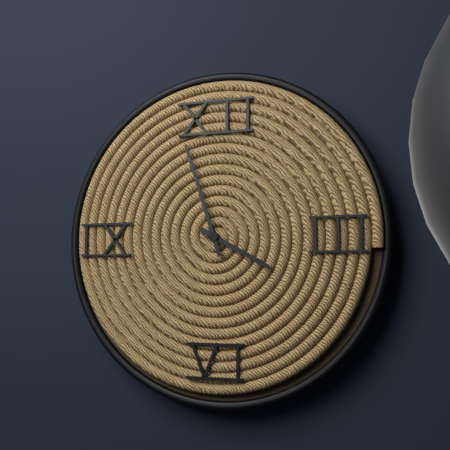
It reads 3h57
